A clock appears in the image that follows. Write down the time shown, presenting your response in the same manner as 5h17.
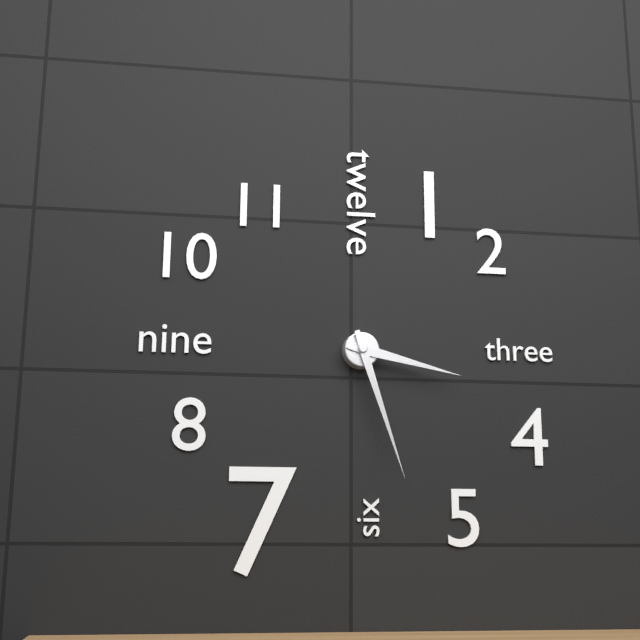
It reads 3h27
